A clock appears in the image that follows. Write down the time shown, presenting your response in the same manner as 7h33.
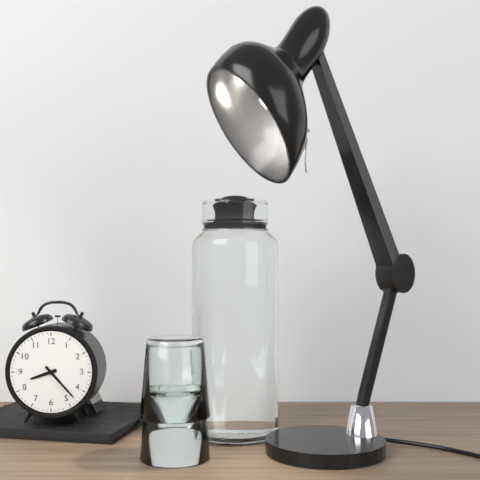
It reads 8h23
